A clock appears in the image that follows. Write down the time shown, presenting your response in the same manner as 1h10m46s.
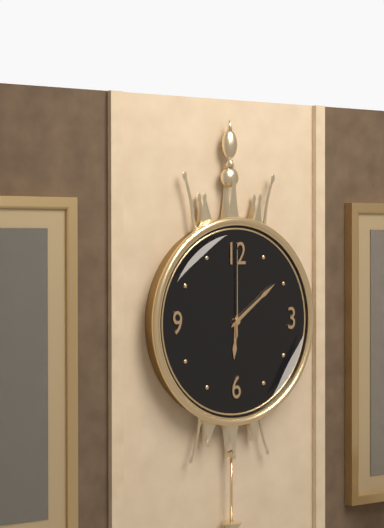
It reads 6h09m00s
